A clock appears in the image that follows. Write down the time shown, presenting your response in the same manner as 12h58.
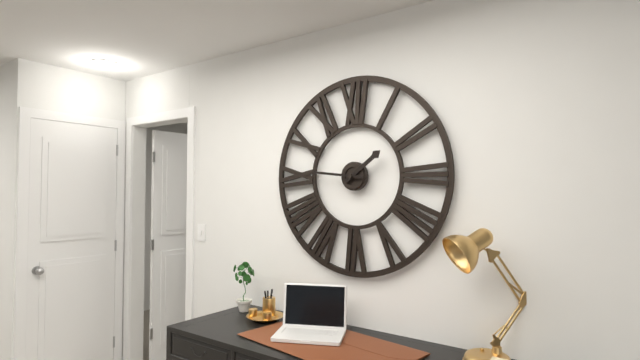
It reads 1h46
